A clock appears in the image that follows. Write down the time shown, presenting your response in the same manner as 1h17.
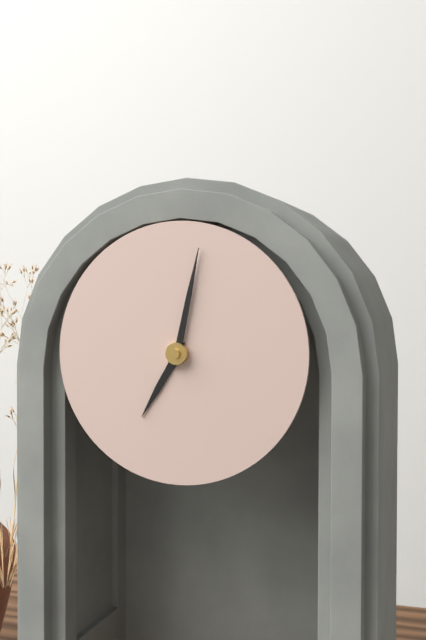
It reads 7h02
